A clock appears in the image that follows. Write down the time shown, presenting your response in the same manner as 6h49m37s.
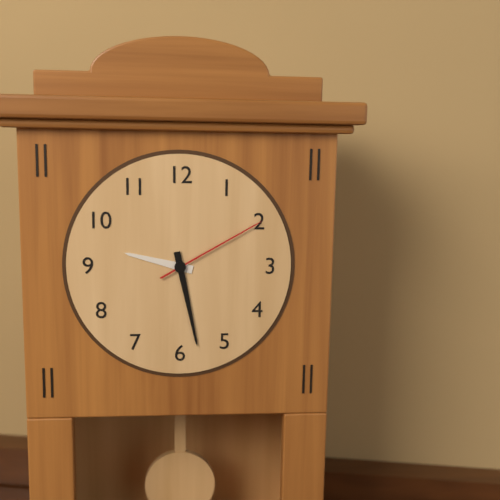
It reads 9h28m10s
